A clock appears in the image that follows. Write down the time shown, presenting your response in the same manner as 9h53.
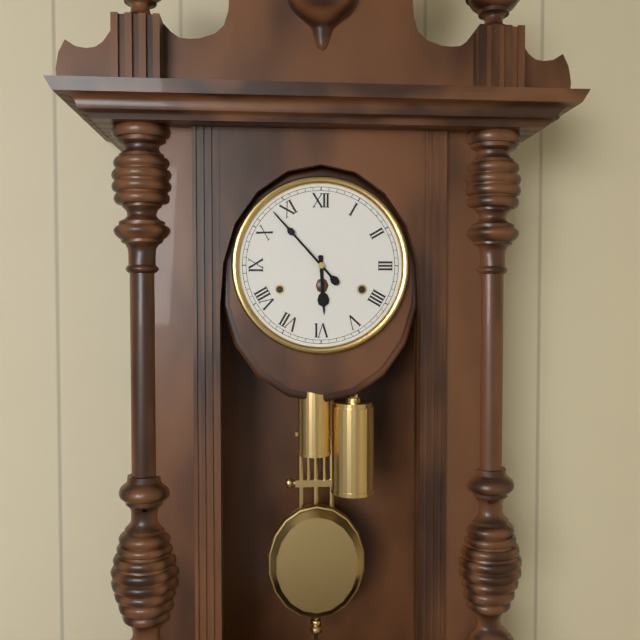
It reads 5h53
